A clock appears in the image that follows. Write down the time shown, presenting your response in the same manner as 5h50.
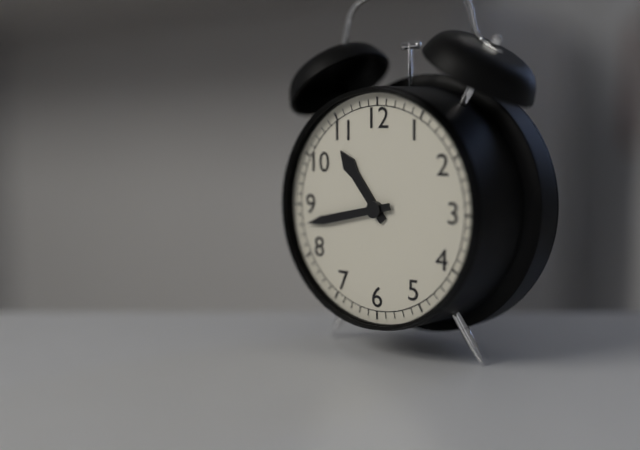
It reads 10h43
